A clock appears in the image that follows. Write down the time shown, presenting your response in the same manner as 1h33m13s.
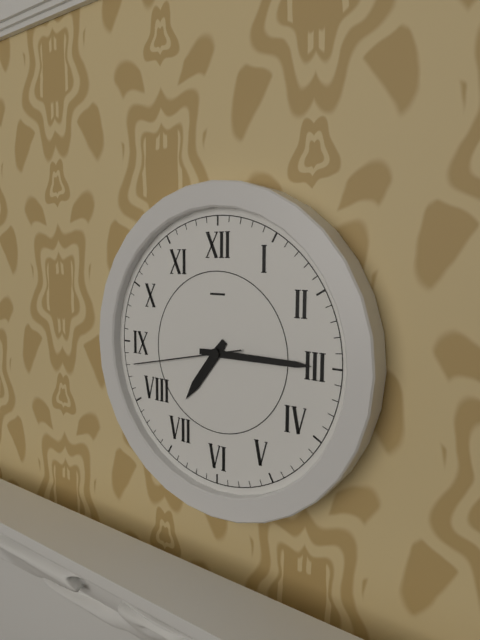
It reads 7h15m43s
